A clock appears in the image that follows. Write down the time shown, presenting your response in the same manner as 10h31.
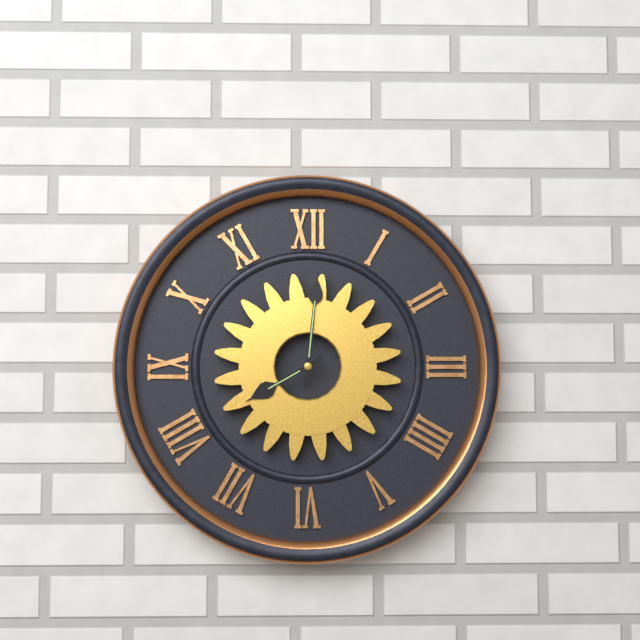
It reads 8h01
